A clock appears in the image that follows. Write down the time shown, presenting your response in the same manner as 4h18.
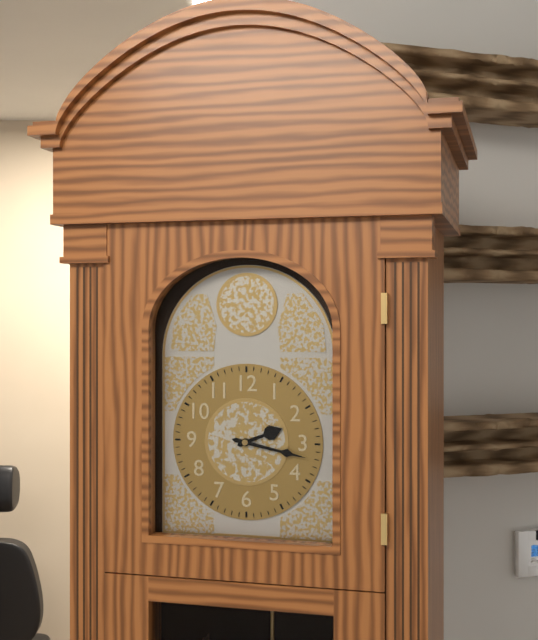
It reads 2h17
